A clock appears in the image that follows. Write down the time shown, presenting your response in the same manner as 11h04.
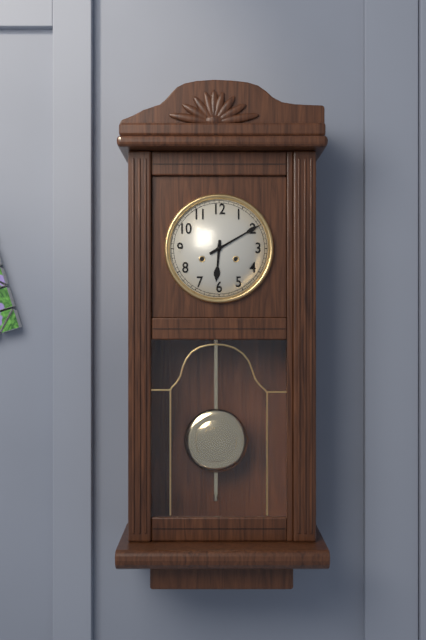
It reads 6h10
